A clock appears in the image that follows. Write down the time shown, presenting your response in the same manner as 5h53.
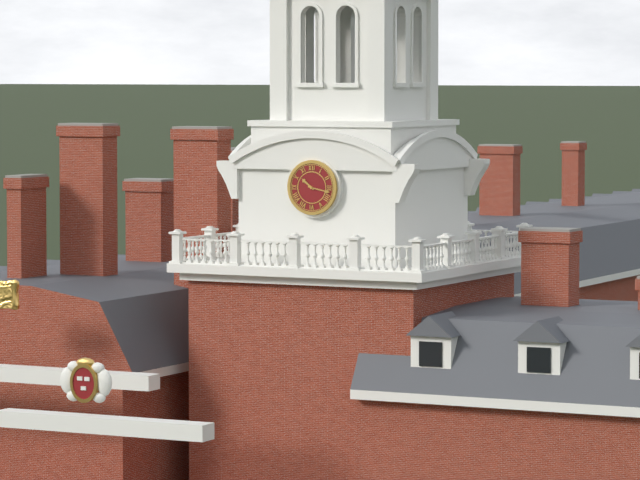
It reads 10h17
